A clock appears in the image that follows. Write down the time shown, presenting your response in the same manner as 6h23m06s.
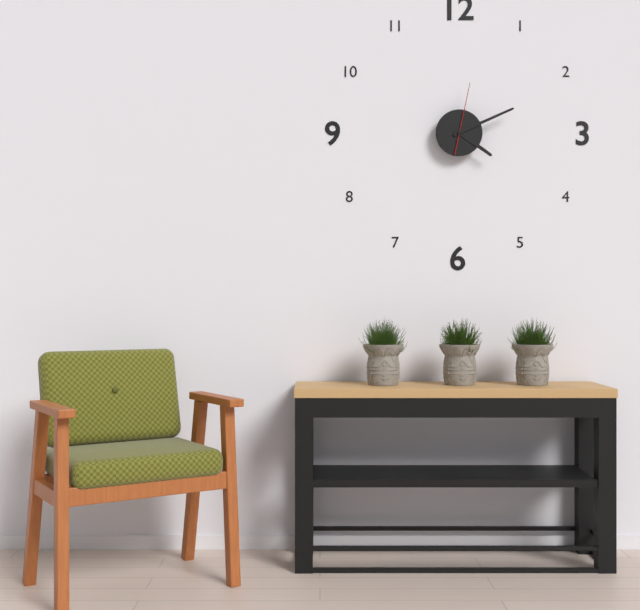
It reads 4h11m02s
